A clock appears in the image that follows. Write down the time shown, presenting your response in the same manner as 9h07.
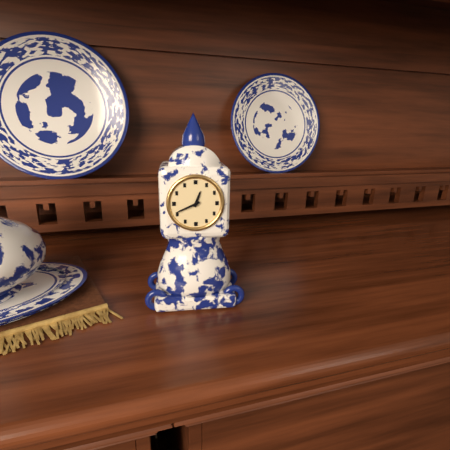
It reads 12h41
